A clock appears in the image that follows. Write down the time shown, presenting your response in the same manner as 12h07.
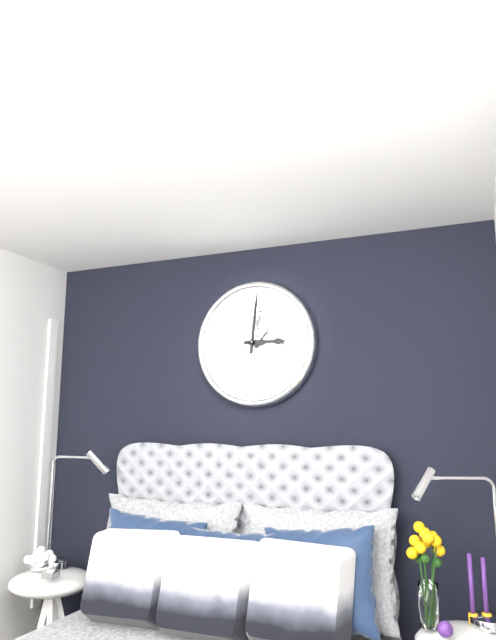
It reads 3h01
